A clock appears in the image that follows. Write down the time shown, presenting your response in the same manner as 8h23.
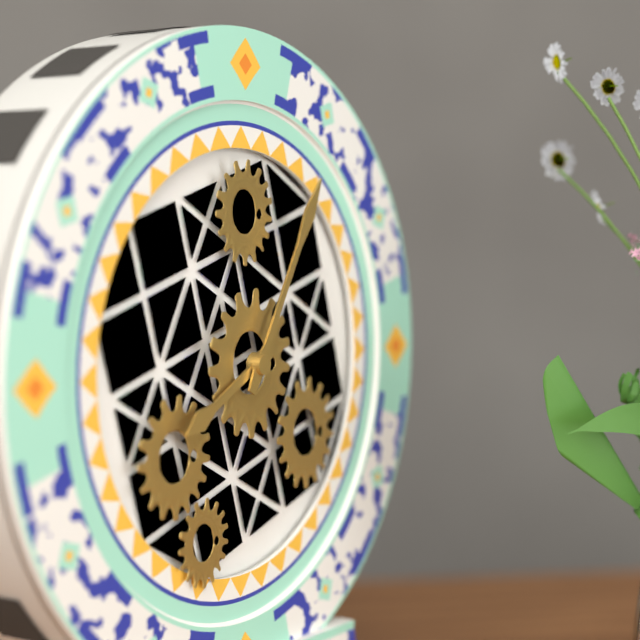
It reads 8h05
